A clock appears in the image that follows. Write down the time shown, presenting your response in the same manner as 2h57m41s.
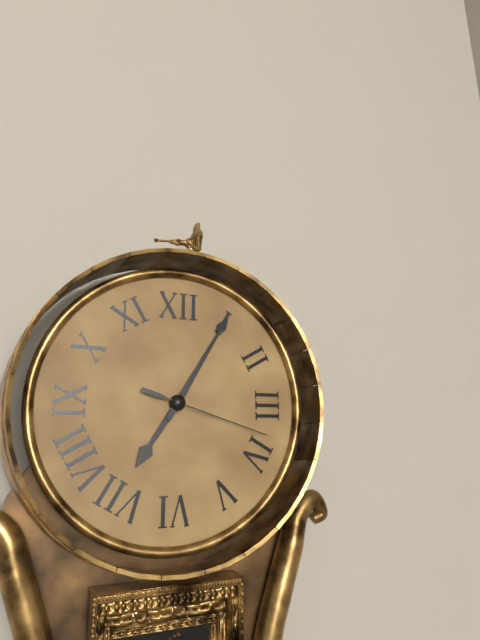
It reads 7h05m18s
